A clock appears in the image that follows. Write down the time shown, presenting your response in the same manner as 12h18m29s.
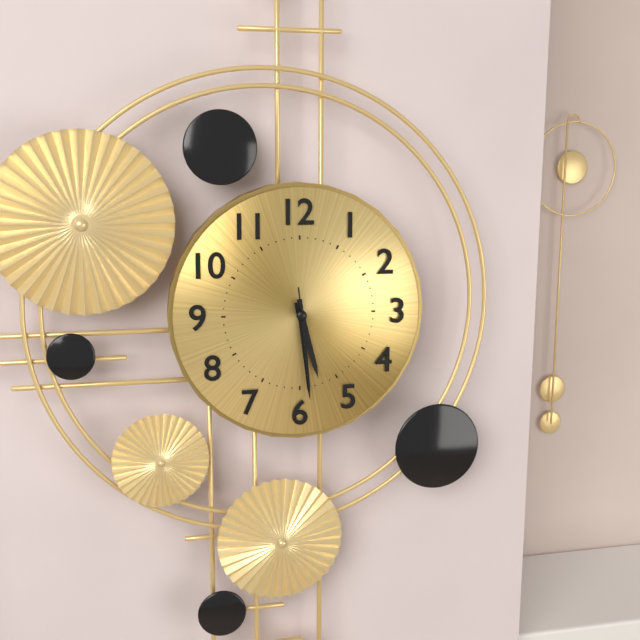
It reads 5h29m29s
